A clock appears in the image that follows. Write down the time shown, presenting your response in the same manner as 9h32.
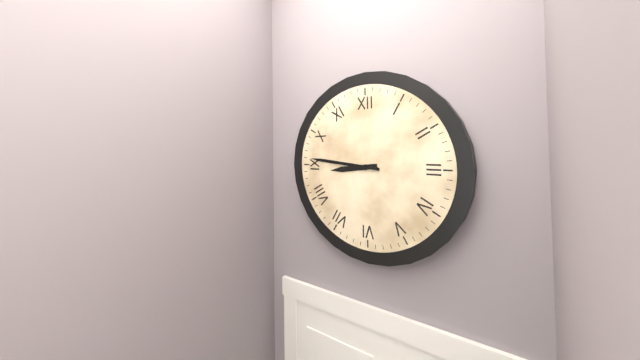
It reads 8h46
